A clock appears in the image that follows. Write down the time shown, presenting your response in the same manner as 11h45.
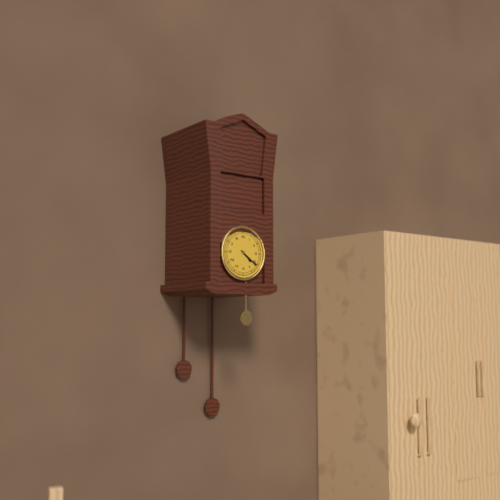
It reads 4h21
